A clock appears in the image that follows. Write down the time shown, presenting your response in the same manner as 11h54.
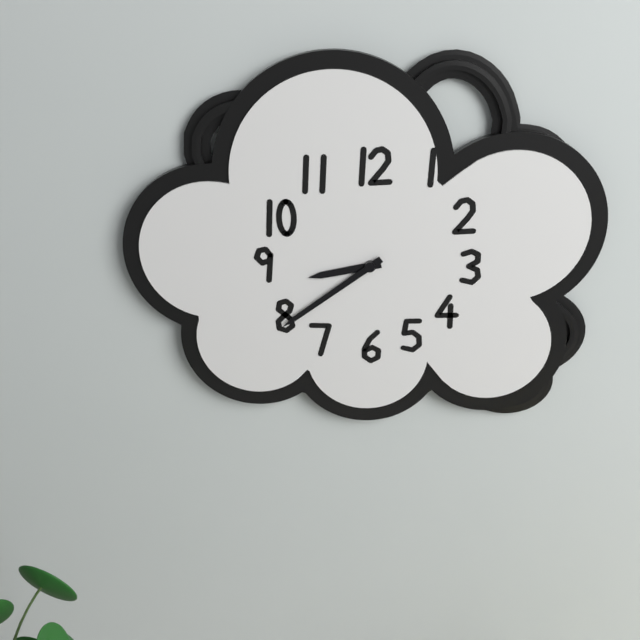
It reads 8h39
